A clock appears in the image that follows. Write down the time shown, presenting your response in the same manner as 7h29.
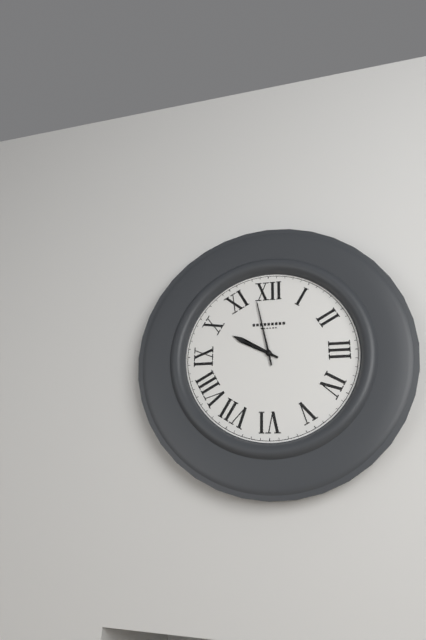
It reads 9h58
